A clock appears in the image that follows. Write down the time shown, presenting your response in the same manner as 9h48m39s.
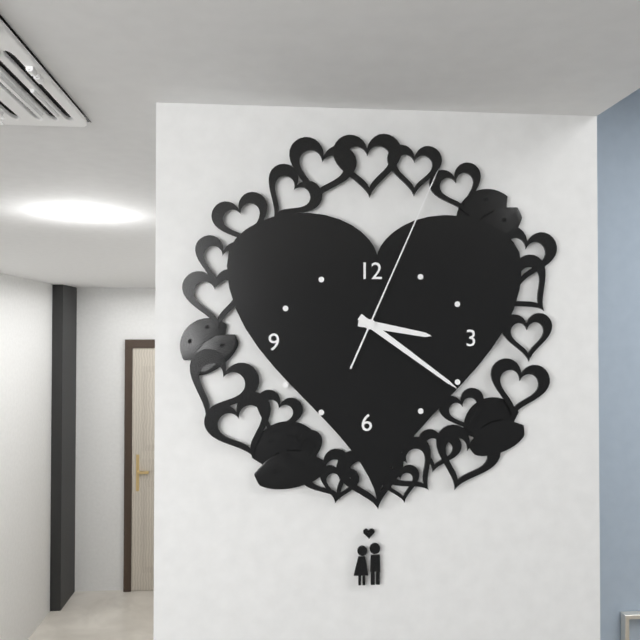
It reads 3h21m04s
